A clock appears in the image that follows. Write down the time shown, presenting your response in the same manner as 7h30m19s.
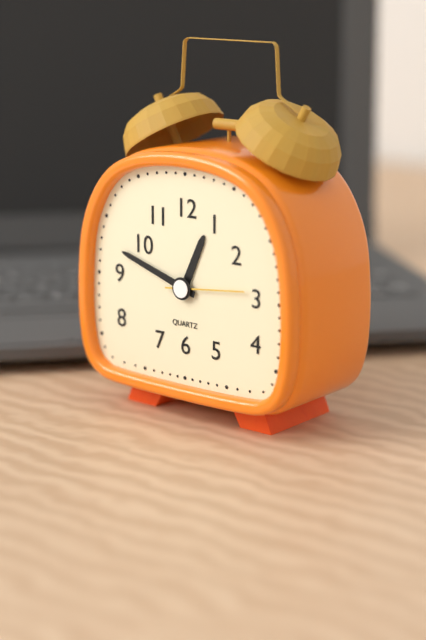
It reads 12h48m14s
